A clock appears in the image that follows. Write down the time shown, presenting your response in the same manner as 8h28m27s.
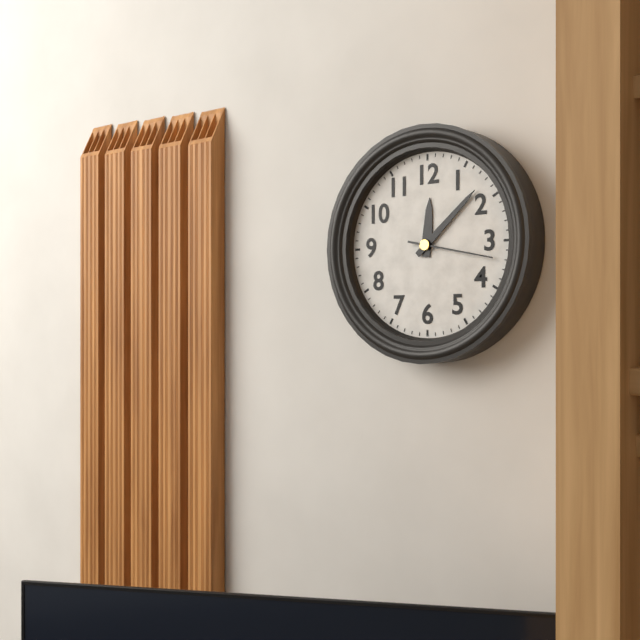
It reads 12h08m17s
